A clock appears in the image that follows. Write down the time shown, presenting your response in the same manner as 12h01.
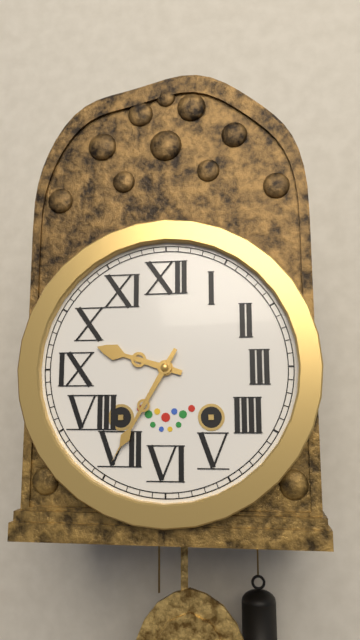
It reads 9h35
